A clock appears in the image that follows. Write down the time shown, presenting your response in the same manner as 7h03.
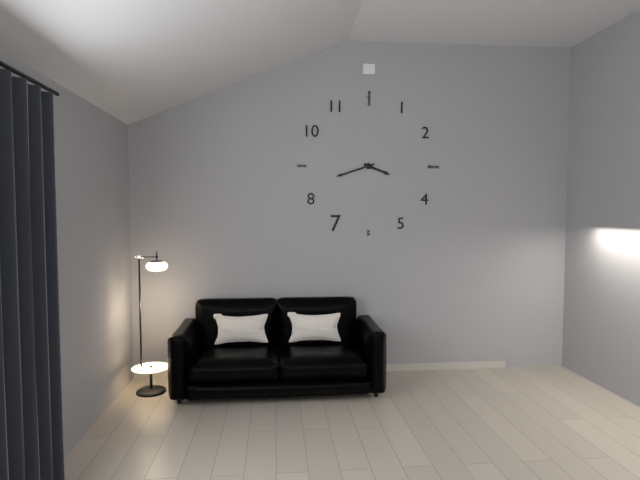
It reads 3h42
